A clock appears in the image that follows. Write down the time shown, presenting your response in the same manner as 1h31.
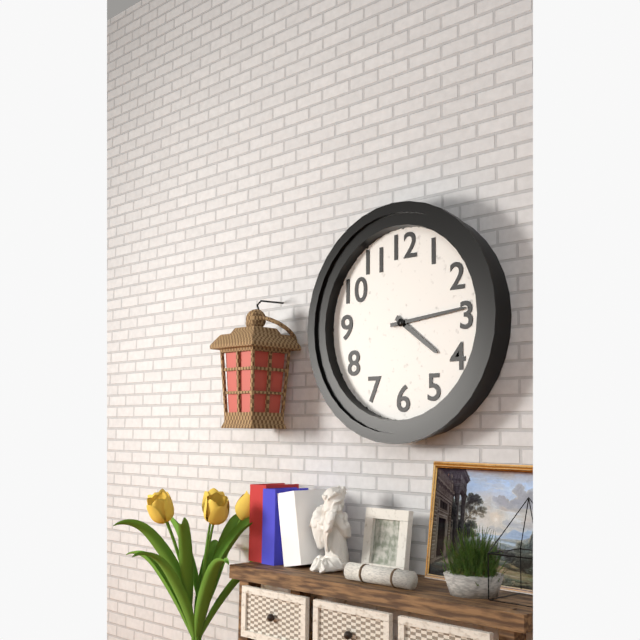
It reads 4h14
